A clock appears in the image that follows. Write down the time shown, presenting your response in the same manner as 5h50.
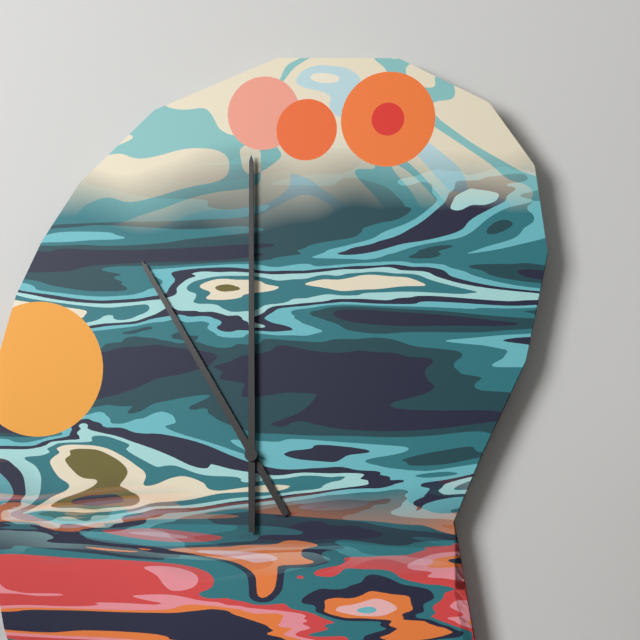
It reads 11h00
